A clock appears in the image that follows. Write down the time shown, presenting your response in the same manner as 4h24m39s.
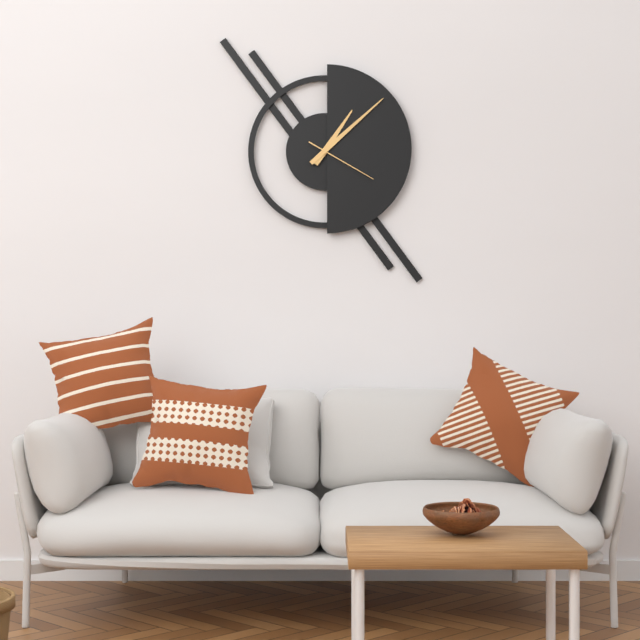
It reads 1h08m20s
